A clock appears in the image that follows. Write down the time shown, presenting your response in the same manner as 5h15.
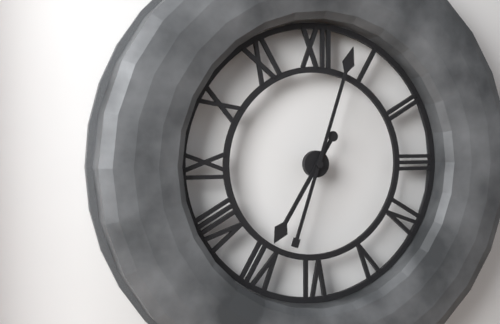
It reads 7h03
